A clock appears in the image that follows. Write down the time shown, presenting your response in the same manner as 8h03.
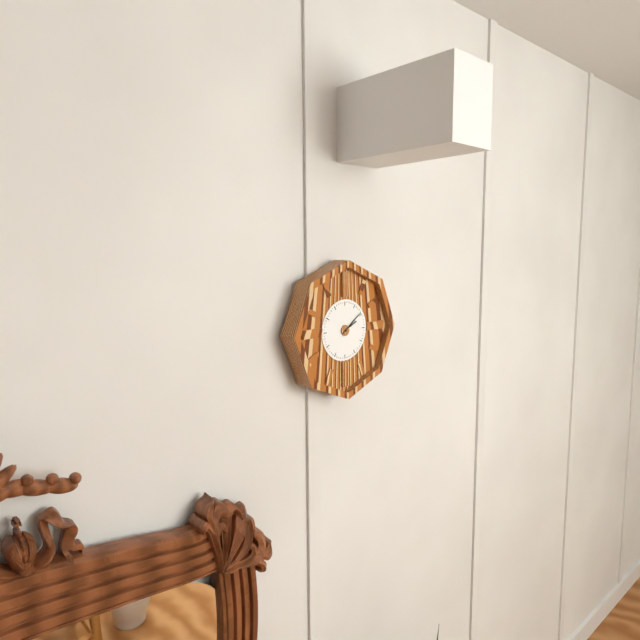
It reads 2h09
